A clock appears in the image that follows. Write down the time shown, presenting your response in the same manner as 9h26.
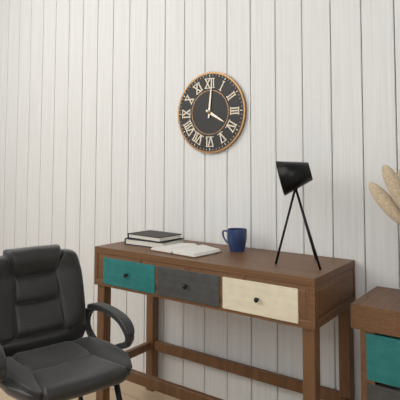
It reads 4h01
